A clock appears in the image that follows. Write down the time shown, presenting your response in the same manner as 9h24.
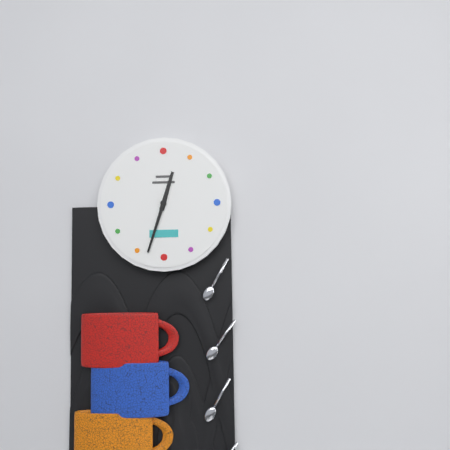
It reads 12h33
